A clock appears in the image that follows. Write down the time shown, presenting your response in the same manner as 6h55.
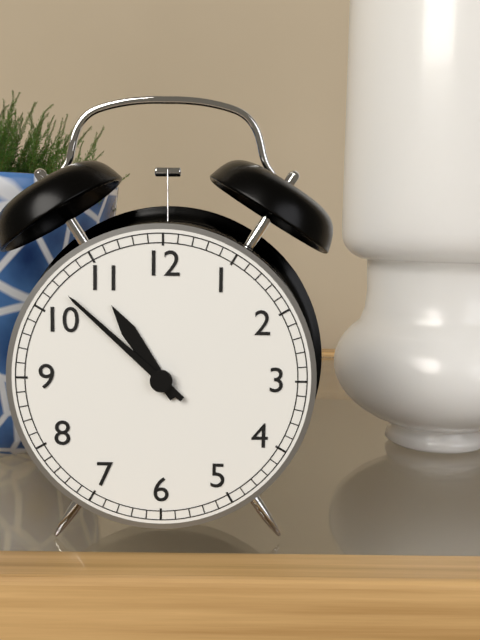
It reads 10h52
